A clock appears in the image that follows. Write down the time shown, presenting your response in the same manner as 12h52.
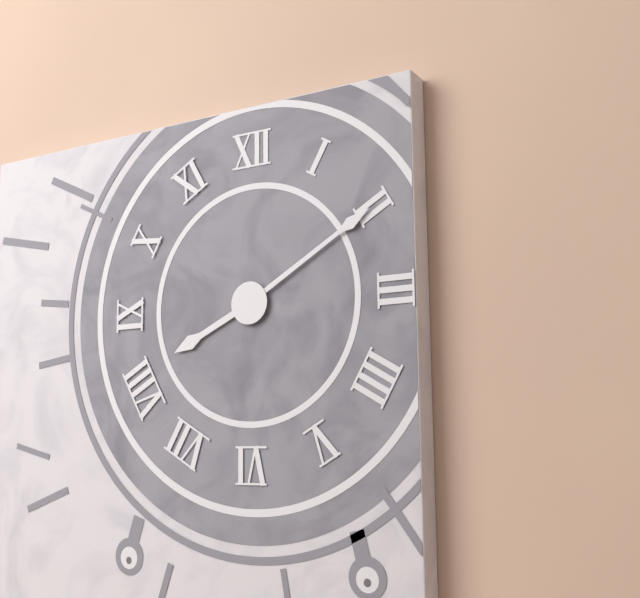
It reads 8h10
